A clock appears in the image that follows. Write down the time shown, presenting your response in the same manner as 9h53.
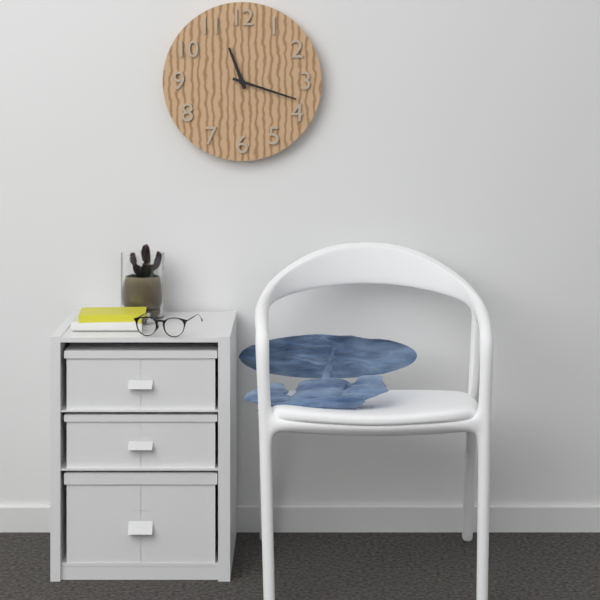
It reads 11h18
